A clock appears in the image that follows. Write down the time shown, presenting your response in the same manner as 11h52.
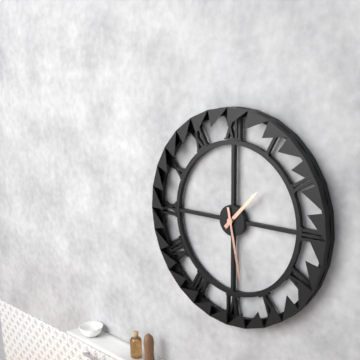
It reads 1h28
